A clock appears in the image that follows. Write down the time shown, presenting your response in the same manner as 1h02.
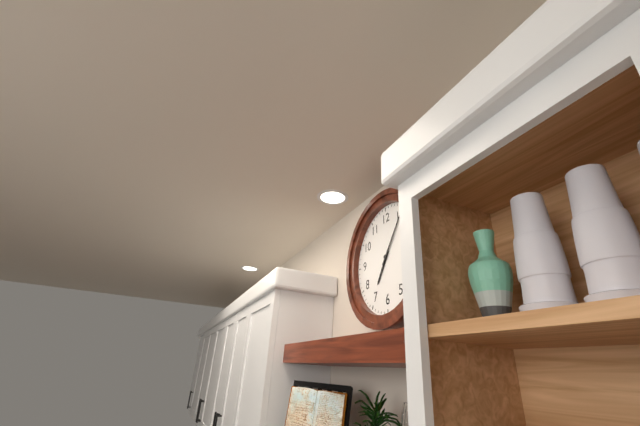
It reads 7h06
